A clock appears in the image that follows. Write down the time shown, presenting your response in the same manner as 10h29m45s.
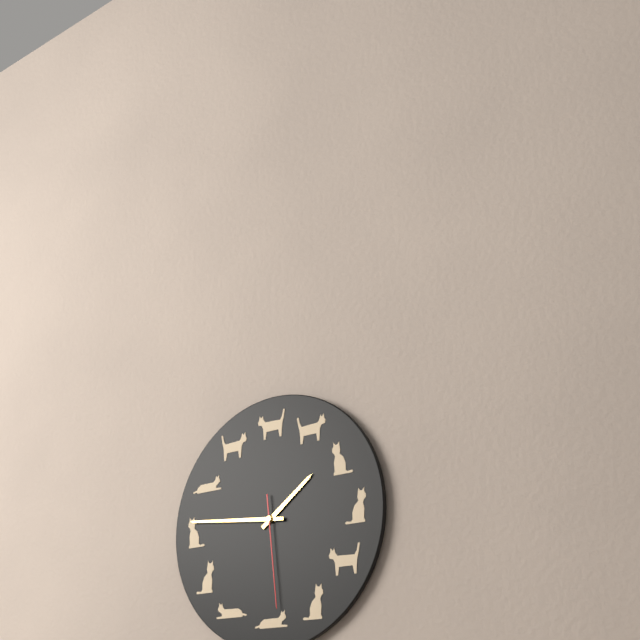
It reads 1h46m29s
